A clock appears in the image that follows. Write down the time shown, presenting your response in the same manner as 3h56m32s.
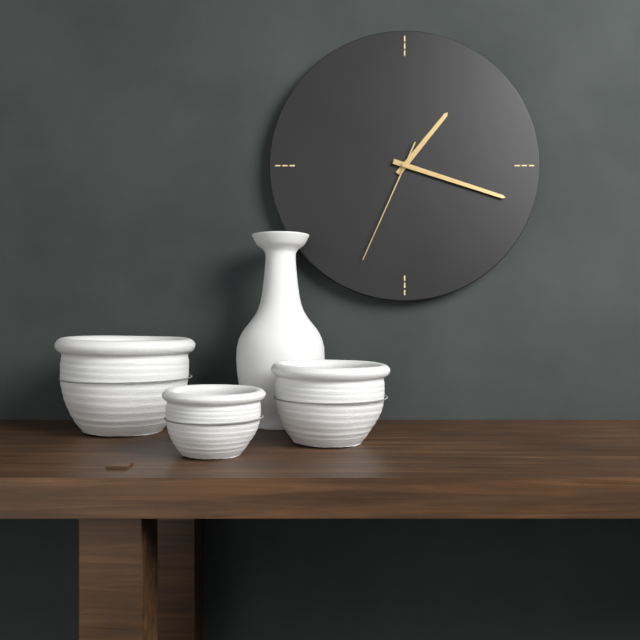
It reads 1h18m34s
